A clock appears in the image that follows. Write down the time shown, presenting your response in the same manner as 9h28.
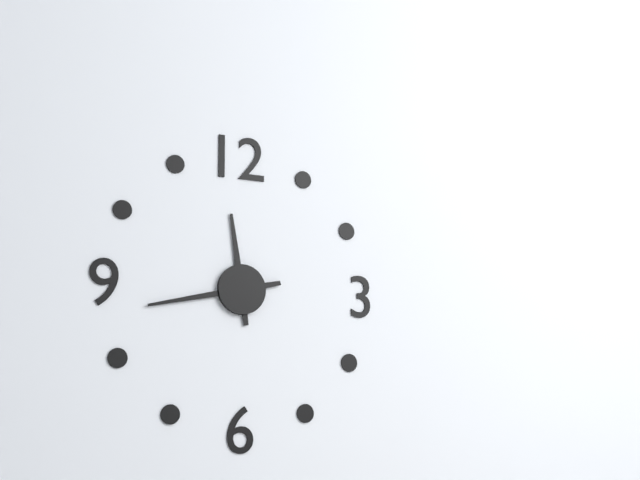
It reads 11h43
